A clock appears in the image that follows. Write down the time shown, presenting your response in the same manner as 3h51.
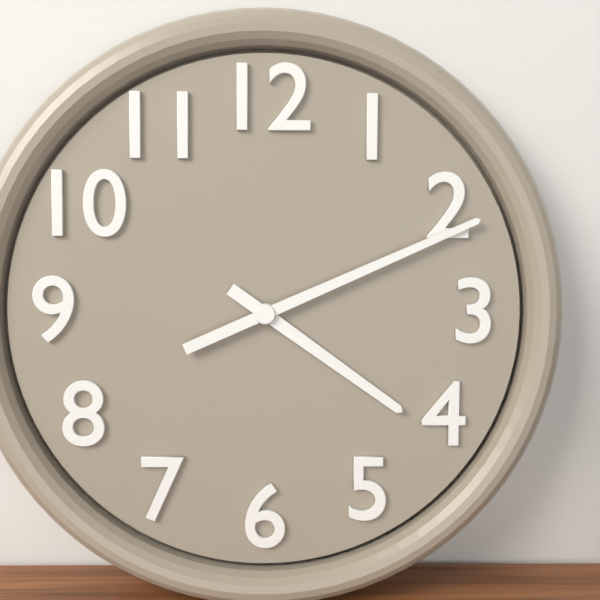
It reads 4h11
